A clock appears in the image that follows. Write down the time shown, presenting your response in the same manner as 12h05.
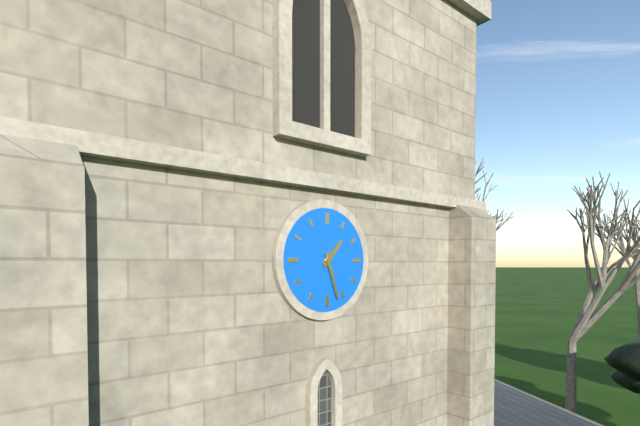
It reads 1h27
